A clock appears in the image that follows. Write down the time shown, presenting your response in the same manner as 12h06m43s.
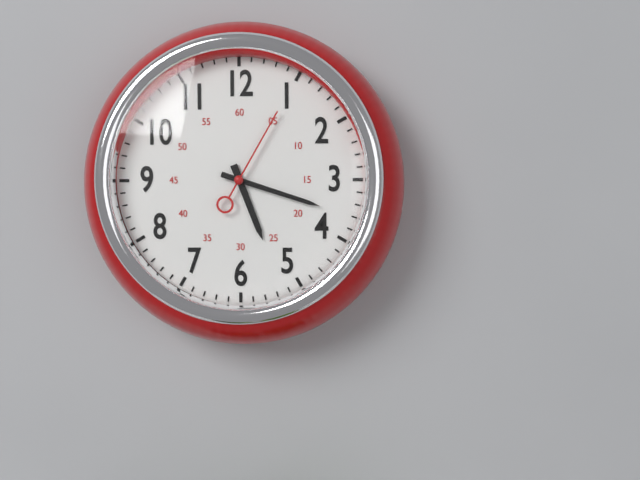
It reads 5h18m05s
